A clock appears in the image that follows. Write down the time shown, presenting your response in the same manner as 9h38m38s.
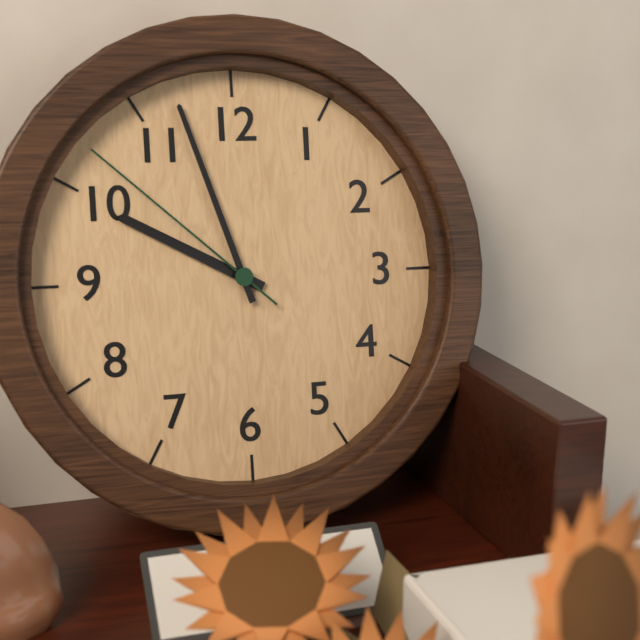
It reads 9h57m52s
